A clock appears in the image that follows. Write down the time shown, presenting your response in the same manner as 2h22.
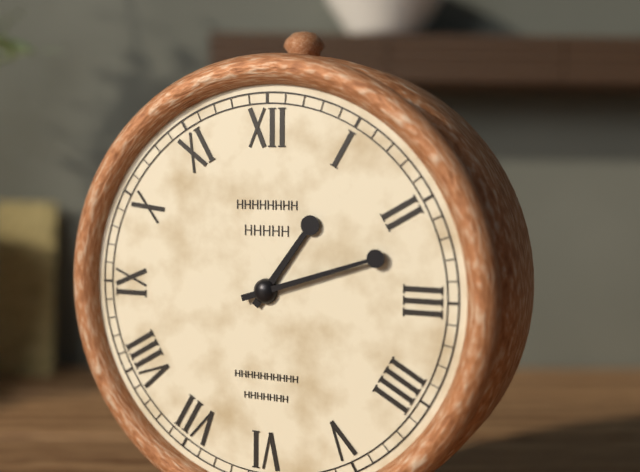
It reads 1h12
